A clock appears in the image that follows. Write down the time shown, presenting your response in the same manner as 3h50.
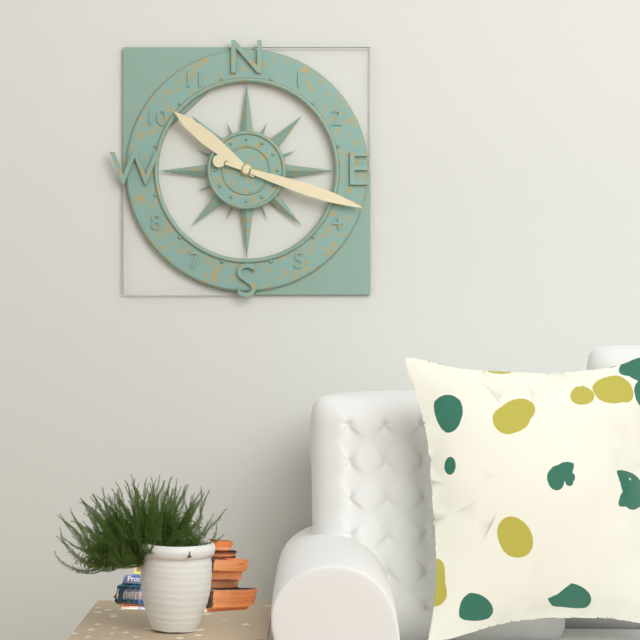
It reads 10h18
